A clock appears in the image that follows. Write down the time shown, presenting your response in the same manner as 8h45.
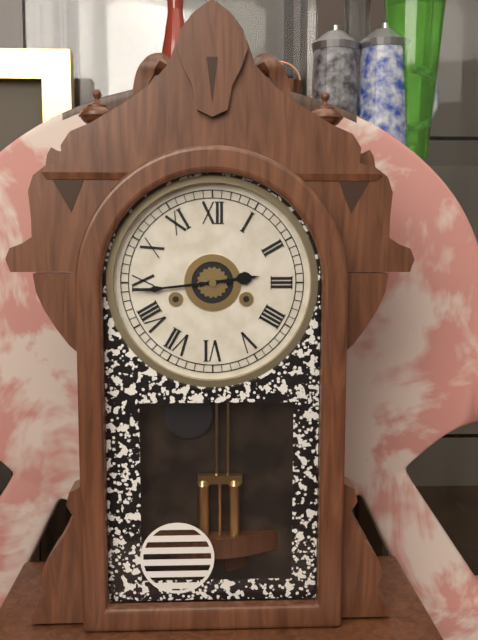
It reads 2h44
